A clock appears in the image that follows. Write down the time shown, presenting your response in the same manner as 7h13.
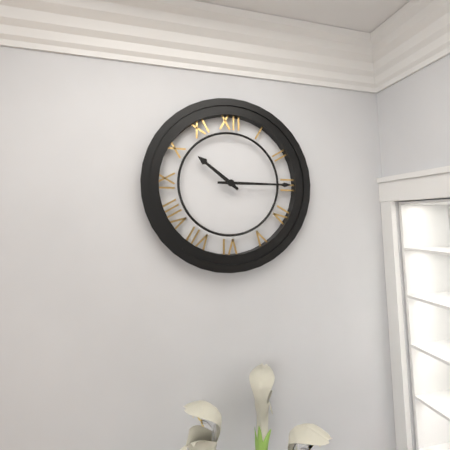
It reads 10h15
